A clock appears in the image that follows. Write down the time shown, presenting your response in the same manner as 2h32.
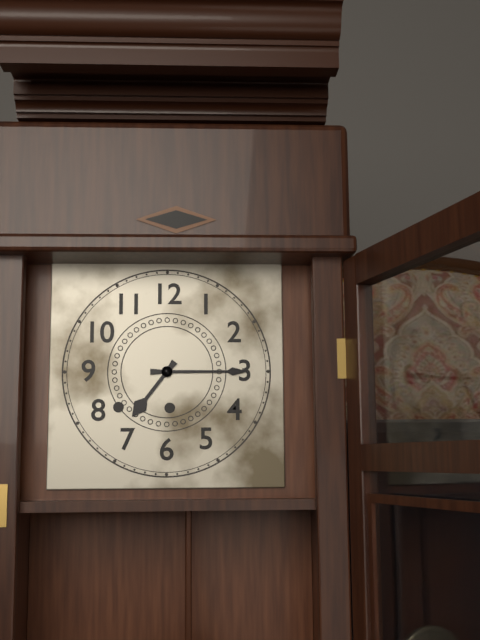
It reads 7h15
